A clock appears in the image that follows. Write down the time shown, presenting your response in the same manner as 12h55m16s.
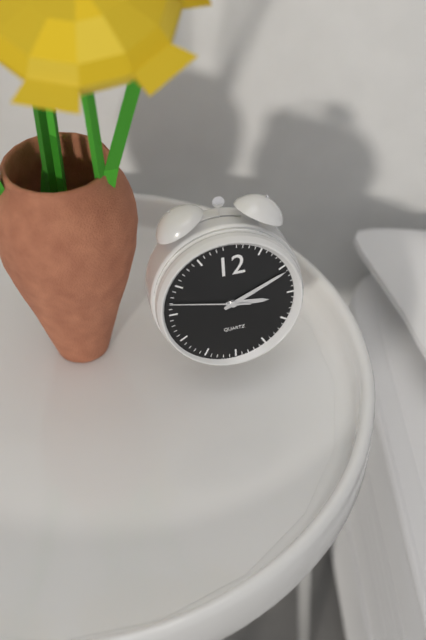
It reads 3h11m47s
